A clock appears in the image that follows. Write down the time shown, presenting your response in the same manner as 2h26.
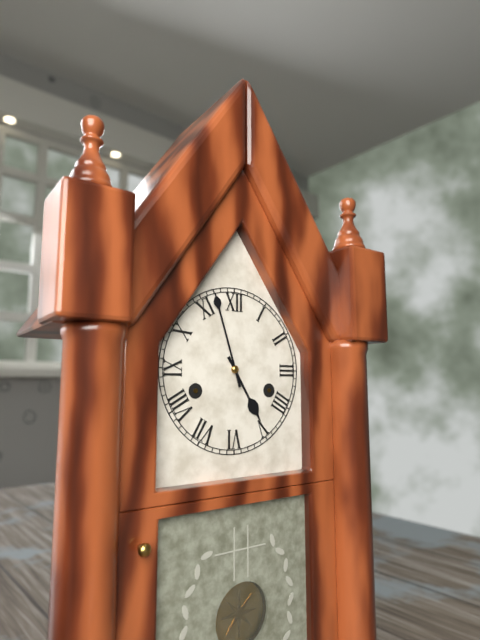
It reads 4h57
